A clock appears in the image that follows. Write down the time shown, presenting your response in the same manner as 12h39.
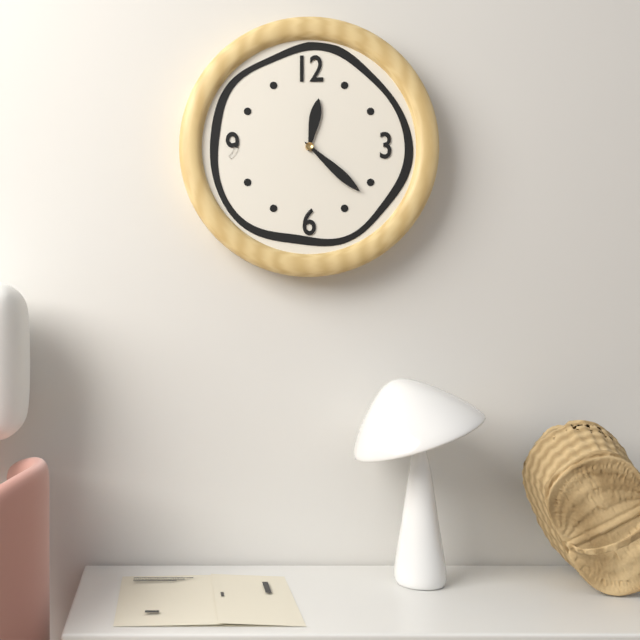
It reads 12h22
